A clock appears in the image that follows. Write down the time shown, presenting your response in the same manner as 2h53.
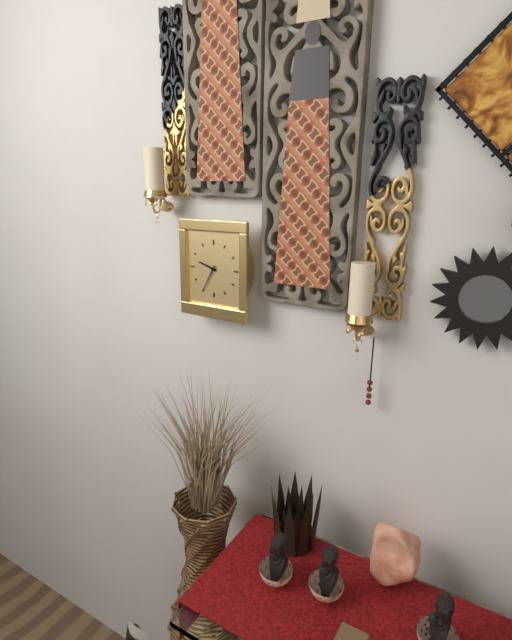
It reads 9h35
